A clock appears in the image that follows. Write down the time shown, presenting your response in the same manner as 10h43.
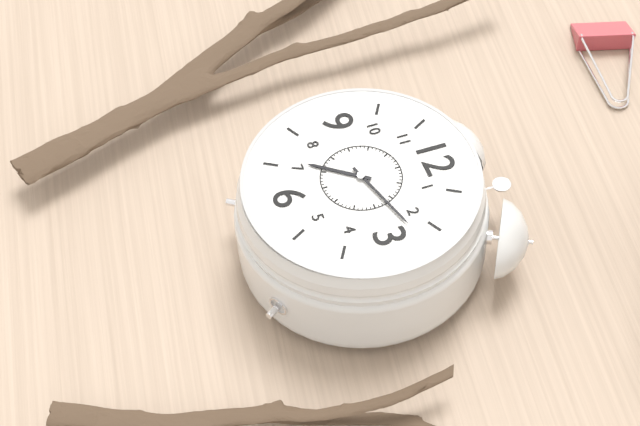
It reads 7h12
